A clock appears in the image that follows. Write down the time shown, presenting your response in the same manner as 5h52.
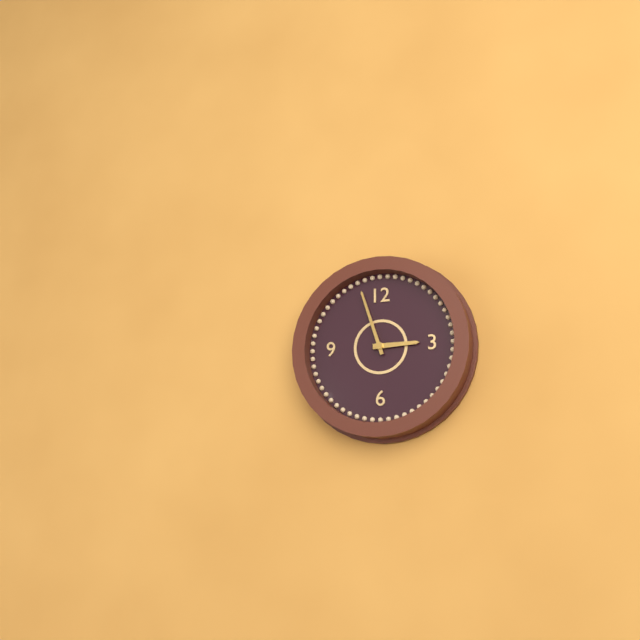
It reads 2h57
